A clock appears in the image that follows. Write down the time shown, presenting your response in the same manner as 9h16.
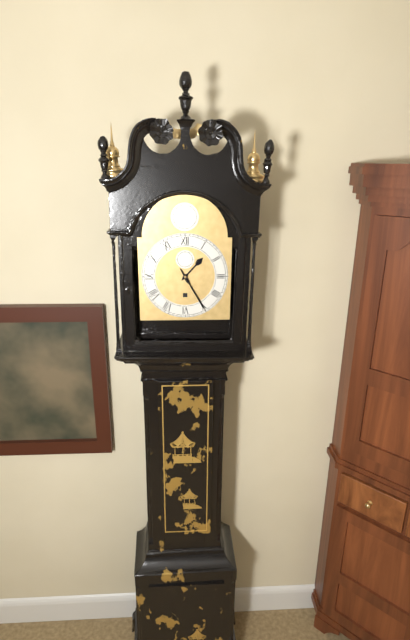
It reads 1h25
